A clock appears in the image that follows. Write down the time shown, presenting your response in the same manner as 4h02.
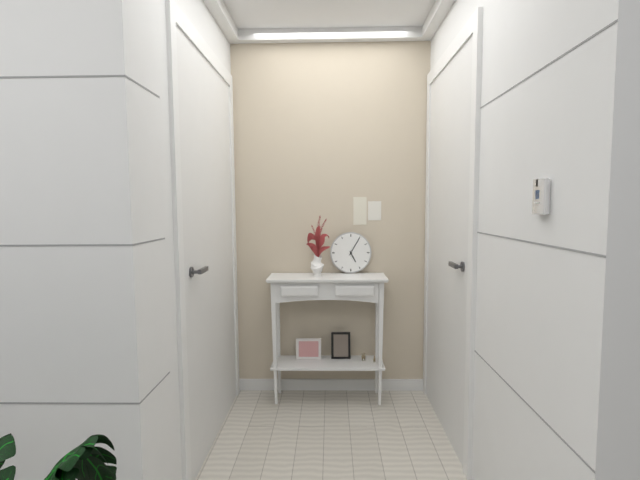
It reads 5h05
